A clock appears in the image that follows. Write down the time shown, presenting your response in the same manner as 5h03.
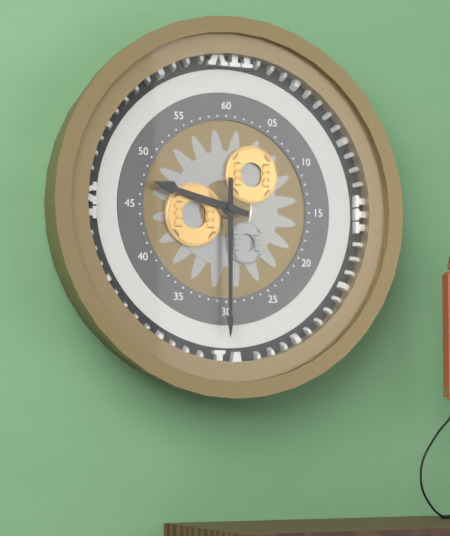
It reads 9h30
